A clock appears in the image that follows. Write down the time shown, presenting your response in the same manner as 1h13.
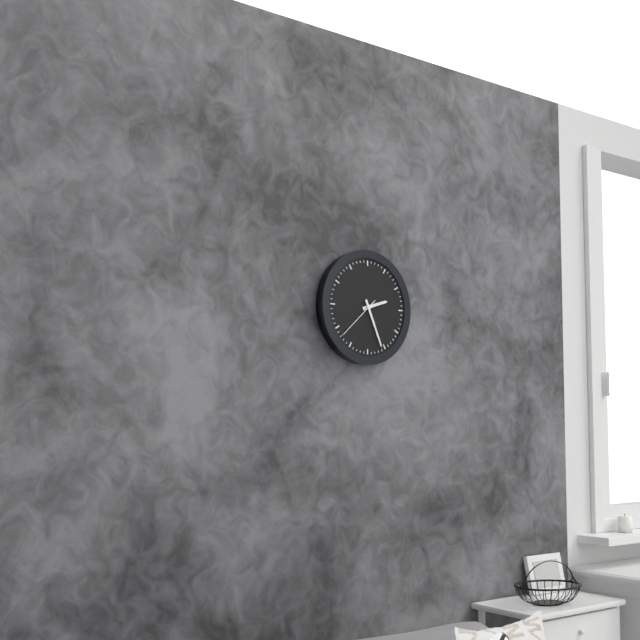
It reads 2h26
